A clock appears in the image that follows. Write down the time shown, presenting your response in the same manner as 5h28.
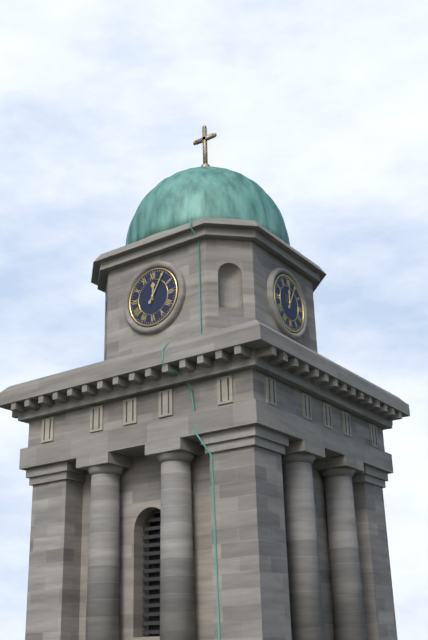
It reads 12h05
